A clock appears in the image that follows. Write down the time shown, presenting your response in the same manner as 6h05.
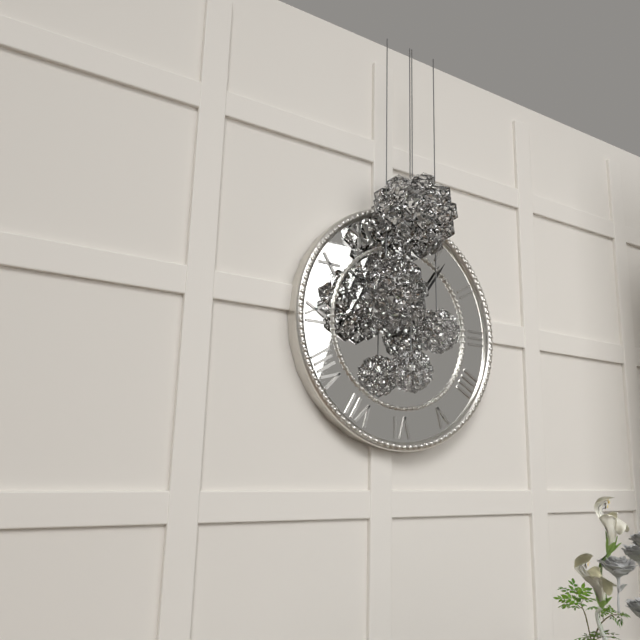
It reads 1h06
